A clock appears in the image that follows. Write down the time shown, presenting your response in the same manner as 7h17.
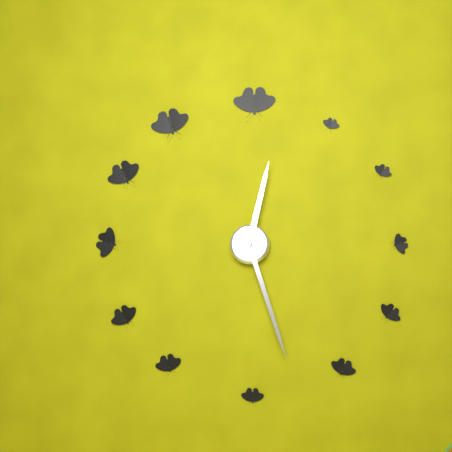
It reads 12h27
